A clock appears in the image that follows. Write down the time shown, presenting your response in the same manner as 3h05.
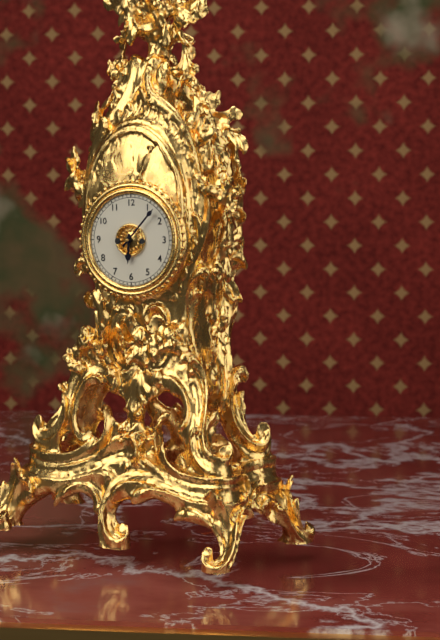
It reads 6h07
